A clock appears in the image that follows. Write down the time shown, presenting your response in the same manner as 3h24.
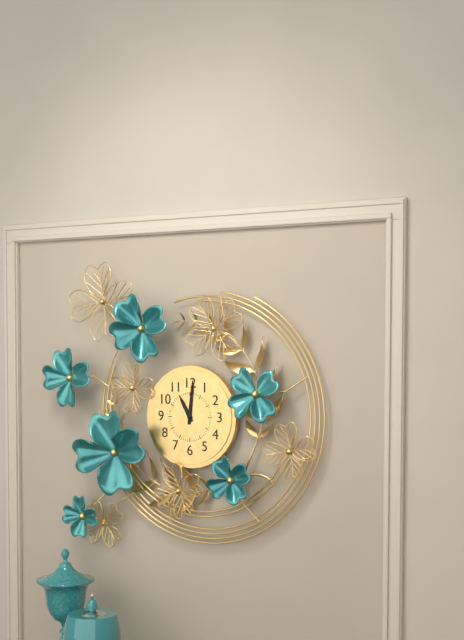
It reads 11h01
